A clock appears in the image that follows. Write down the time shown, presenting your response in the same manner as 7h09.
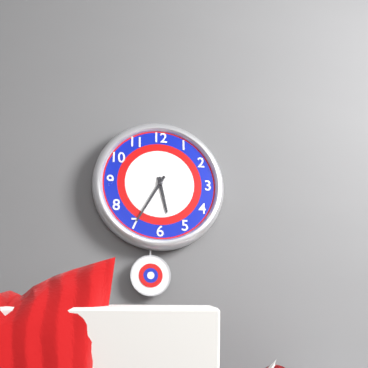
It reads 5h35
